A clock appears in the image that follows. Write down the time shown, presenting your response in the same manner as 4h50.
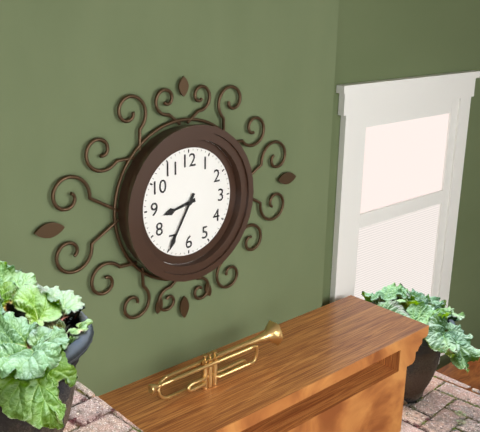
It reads 8h35
